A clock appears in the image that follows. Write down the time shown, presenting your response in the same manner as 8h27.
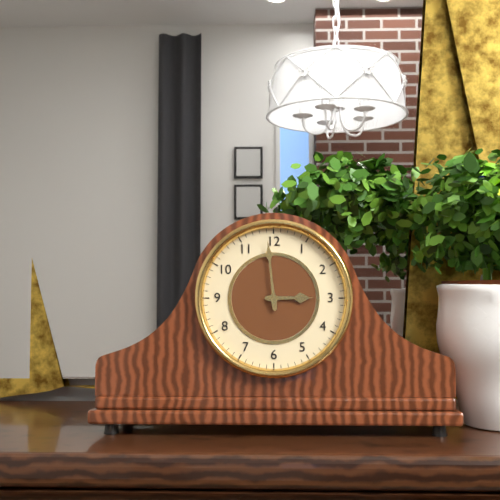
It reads 2h59
